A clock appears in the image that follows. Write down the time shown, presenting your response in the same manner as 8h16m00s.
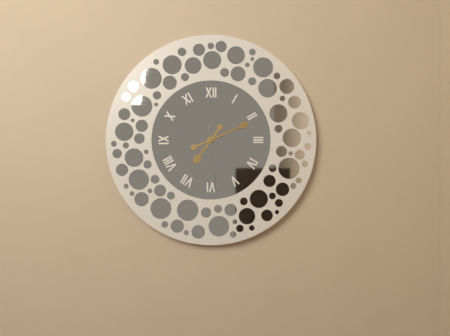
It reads 7h11m29s
